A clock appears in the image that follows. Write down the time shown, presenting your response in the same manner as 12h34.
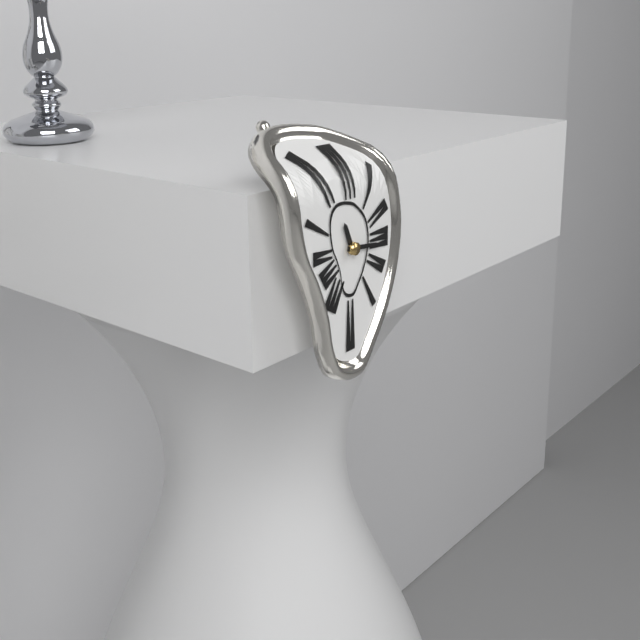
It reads 11h16
